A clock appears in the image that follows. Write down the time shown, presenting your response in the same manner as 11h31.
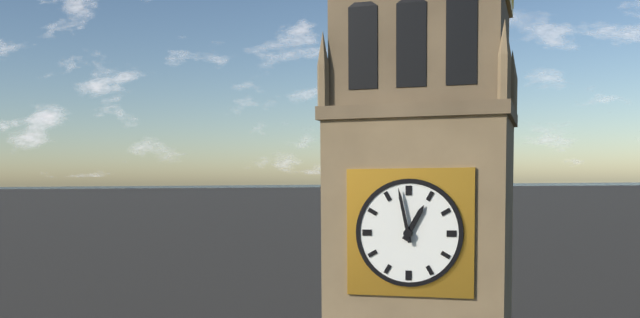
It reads 12h58
